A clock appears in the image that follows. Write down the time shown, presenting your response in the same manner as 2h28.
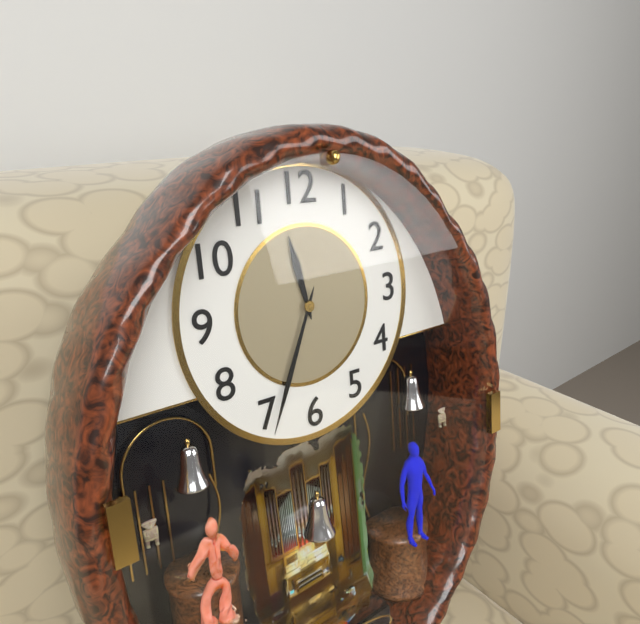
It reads 11h34
